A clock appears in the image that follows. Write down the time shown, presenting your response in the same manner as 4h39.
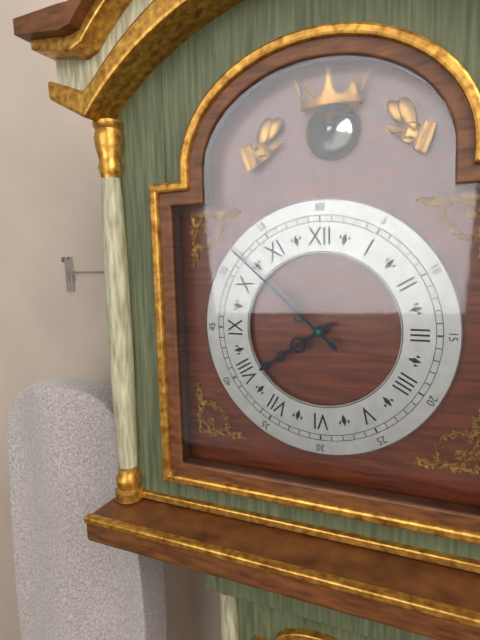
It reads 7h52
